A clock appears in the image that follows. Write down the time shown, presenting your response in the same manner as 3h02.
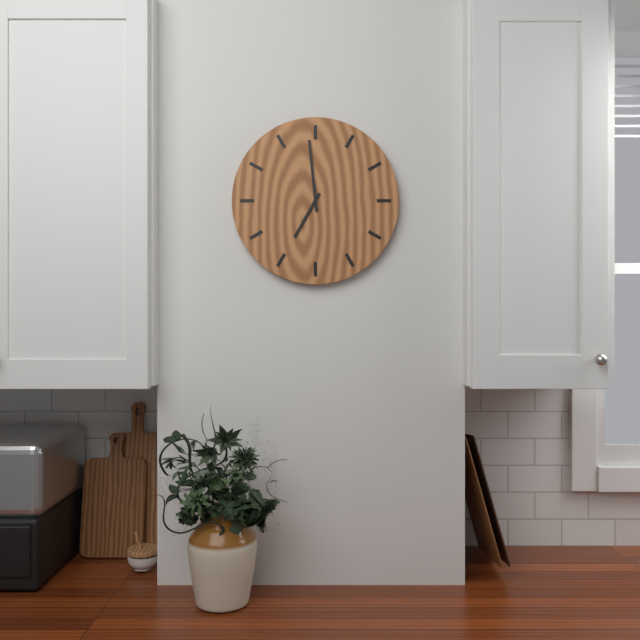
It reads 6h59
